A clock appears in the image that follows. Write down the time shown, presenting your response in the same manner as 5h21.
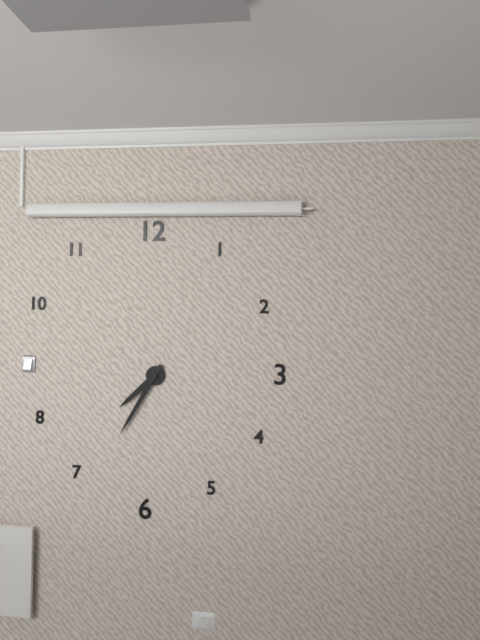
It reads 7h35
